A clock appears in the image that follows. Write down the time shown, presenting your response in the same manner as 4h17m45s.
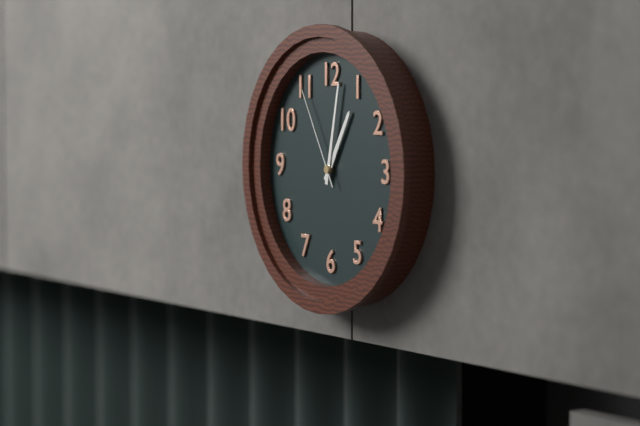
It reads 1h02m55s
